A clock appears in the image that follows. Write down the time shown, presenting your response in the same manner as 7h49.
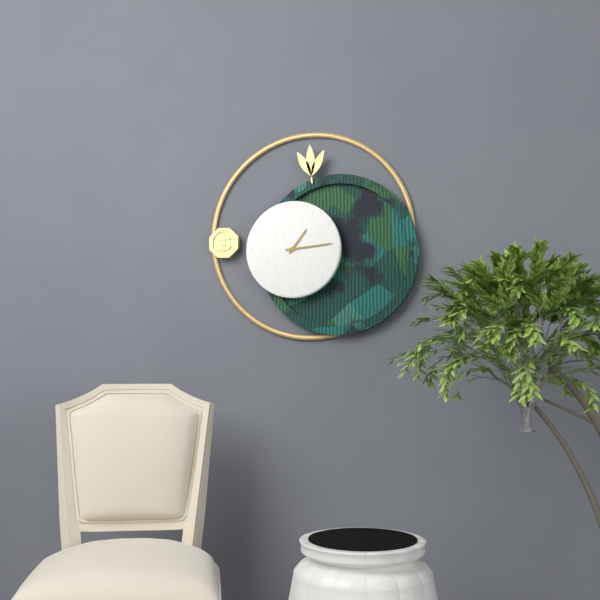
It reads 1h14
